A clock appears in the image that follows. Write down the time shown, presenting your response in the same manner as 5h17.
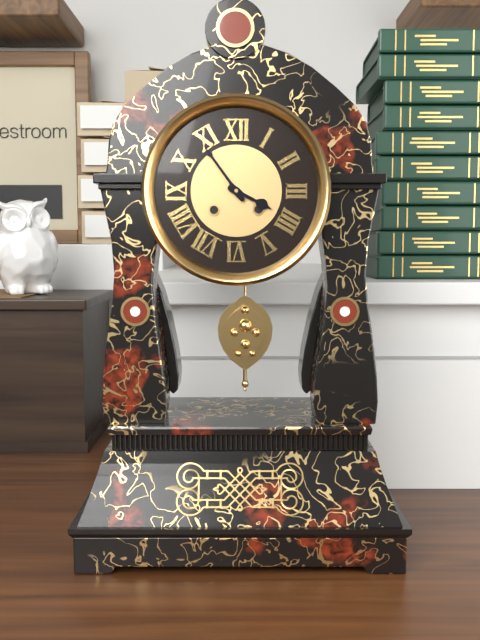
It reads 3h54
